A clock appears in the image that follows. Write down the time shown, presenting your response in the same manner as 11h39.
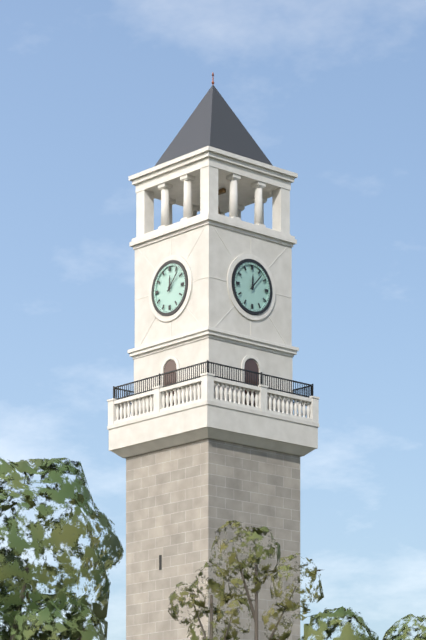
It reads 12h07
